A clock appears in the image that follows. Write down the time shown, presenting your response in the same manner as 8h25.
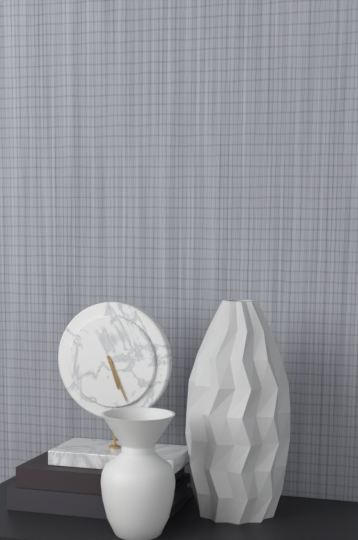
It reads 5h26
